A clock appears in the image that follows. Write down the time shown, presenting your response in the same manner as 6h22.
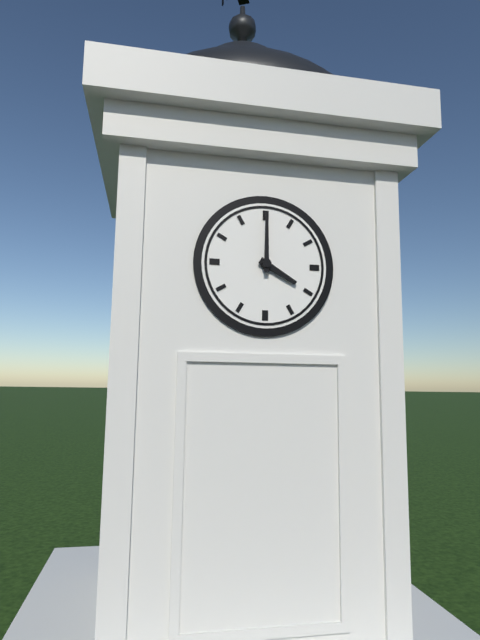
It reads 4h00
